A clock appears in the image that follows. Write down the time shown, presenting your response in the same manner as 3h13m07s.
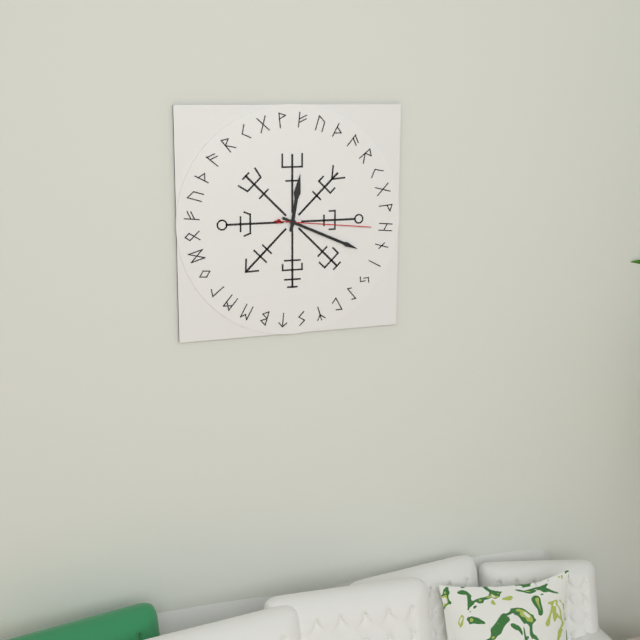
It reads 12h19m16s
